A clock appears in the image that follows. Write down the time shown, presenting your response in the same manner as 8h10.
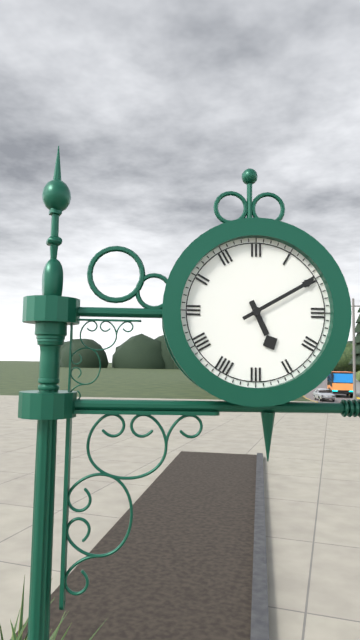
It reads 5h10
